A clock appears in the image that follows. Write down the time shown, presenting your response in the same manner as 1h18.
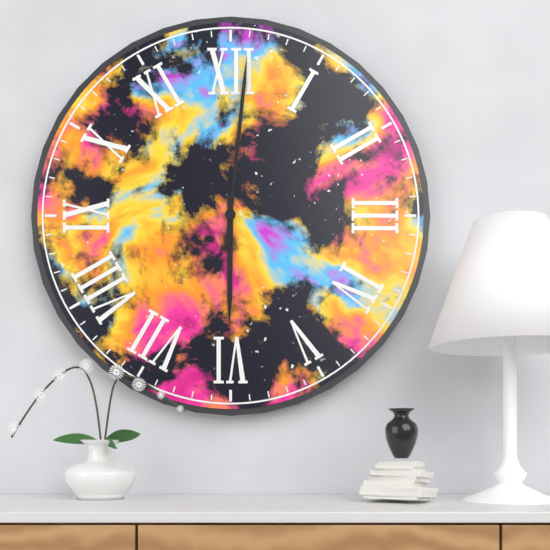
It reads 6h01
